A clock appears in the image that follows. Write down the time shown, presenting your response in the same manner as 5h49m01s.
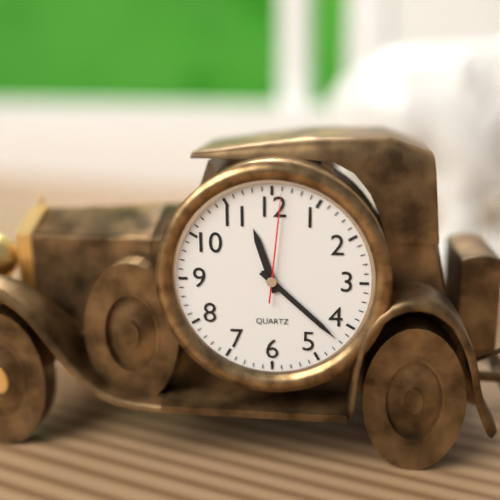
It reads 11h22m01s
